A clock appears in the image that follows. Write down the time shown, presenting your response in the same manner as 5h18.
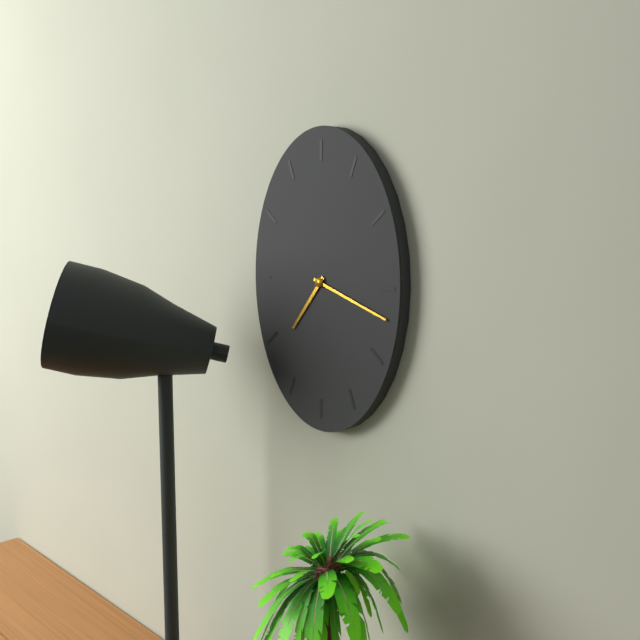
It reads 7h18
